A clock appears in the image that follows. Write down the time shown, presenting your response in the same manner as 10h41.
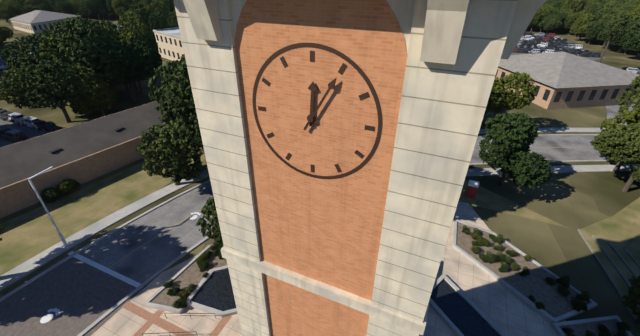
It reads 12h05
